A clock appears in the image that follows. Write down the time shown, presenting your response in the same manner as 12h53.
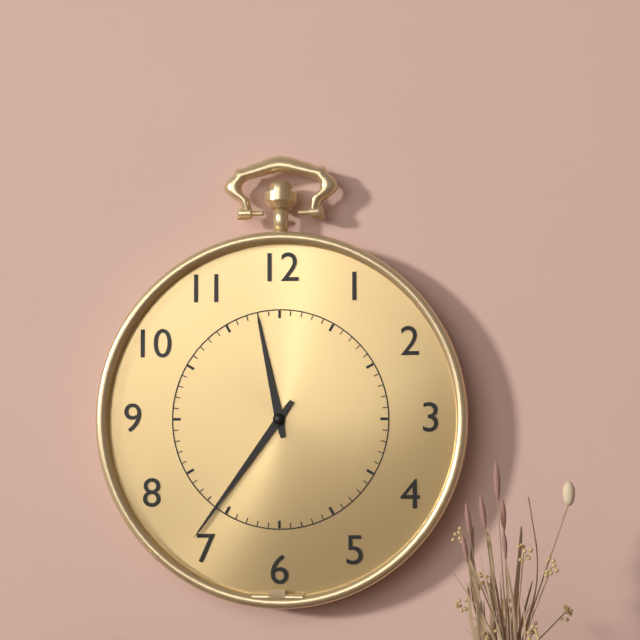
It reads 11h36
